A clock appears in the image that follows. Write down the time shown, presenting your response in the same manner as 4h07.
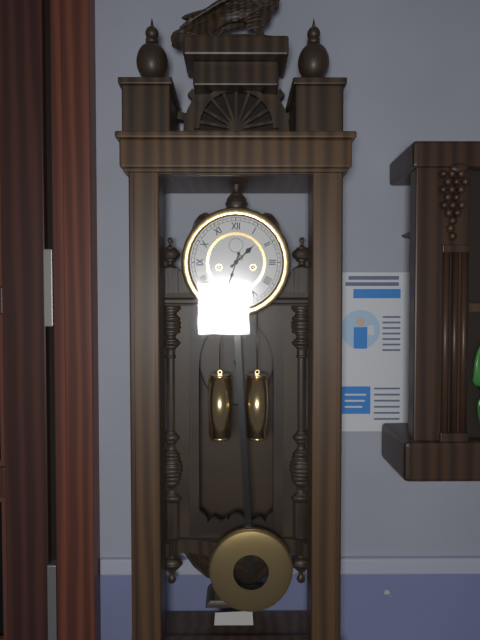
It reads 1h33
